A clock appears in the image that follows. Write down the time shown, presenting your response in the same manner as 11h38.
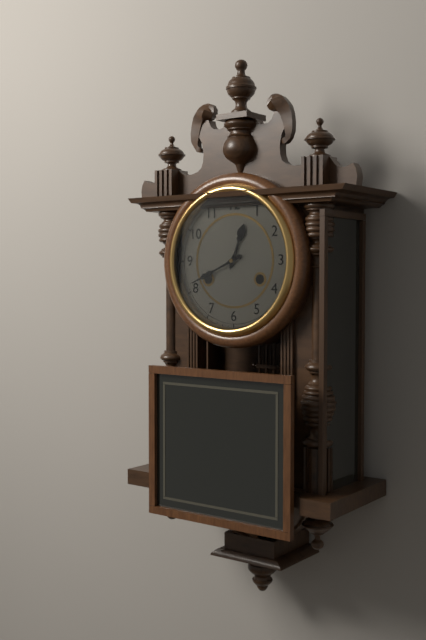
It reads 12h41
